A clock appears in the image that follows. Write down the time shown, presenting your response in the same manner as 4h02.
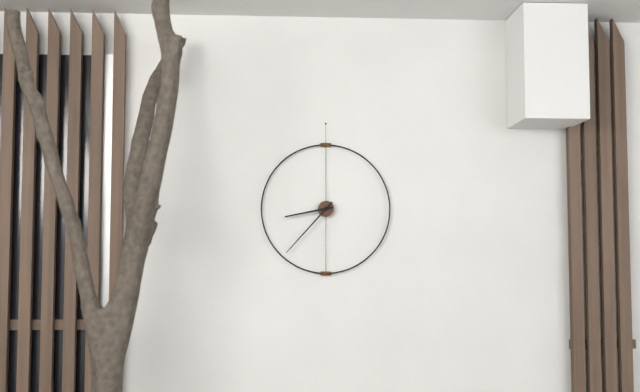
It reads 8h37
